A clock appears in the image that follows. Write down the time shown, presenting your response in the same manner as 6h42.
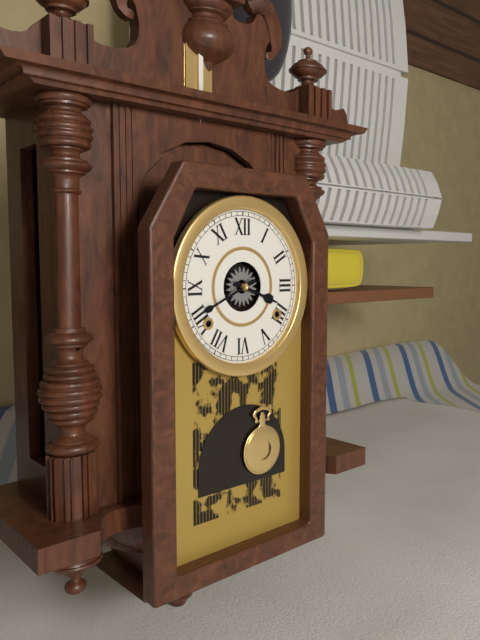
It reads 3h41
